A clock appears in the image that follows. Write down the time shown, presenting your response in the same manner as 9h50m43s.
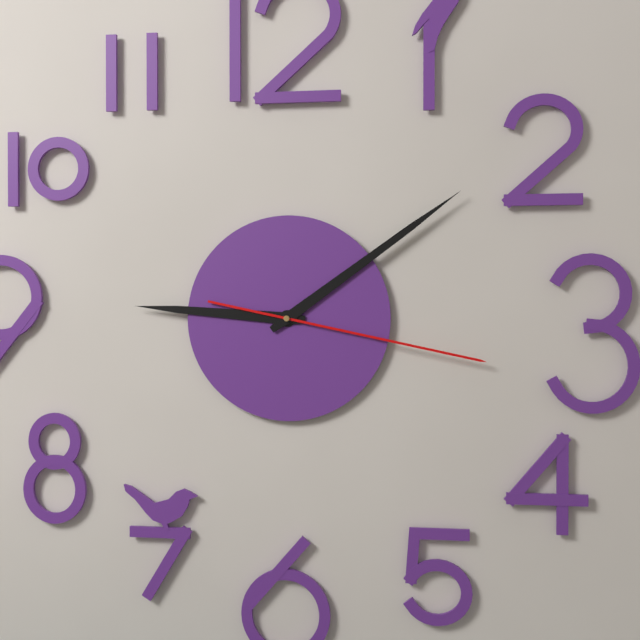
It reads 9h09m17s
